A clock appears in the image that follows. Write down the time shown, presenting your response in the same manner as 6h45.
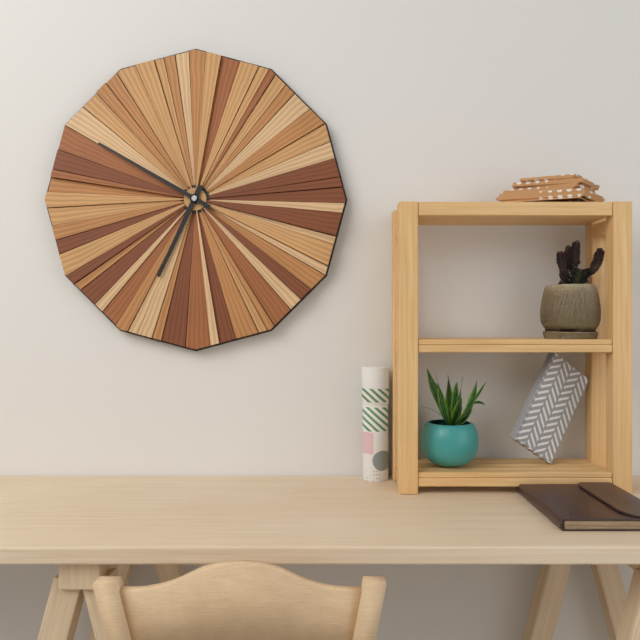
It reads 6h50
